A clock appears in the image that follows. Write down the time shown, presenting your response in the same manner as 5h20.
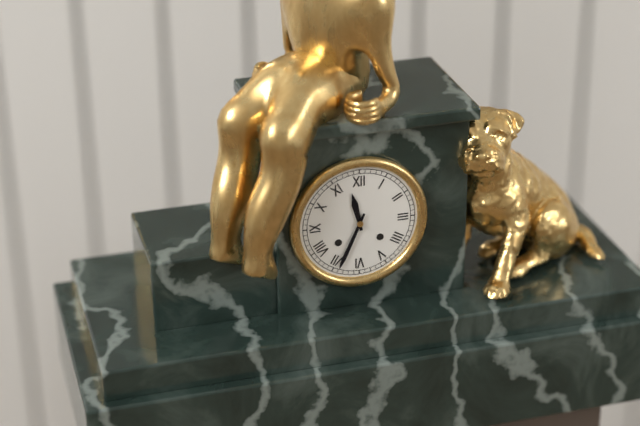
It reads 11h34
